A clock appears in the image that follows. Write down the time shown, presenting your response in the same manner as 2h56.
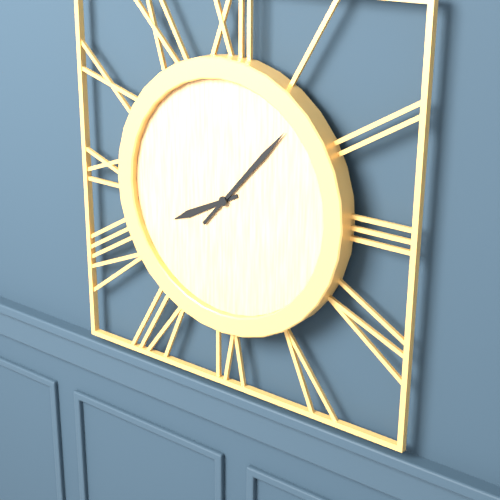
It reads 8h07
